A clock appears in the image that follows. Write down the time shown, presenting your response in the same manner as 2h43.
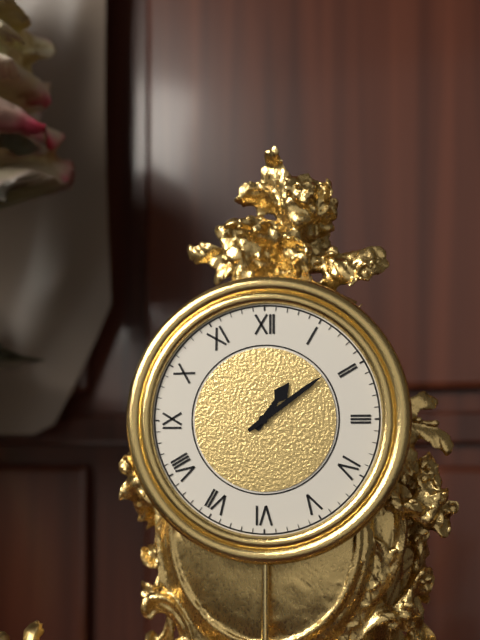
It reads 1h09
